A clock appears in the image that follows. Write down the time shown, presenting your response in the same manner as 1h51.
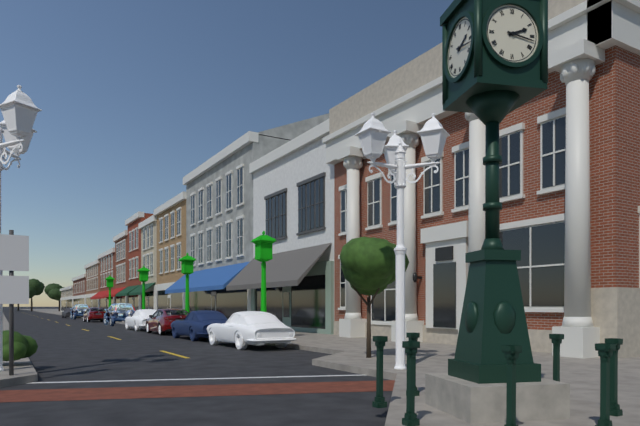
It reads 2h17
